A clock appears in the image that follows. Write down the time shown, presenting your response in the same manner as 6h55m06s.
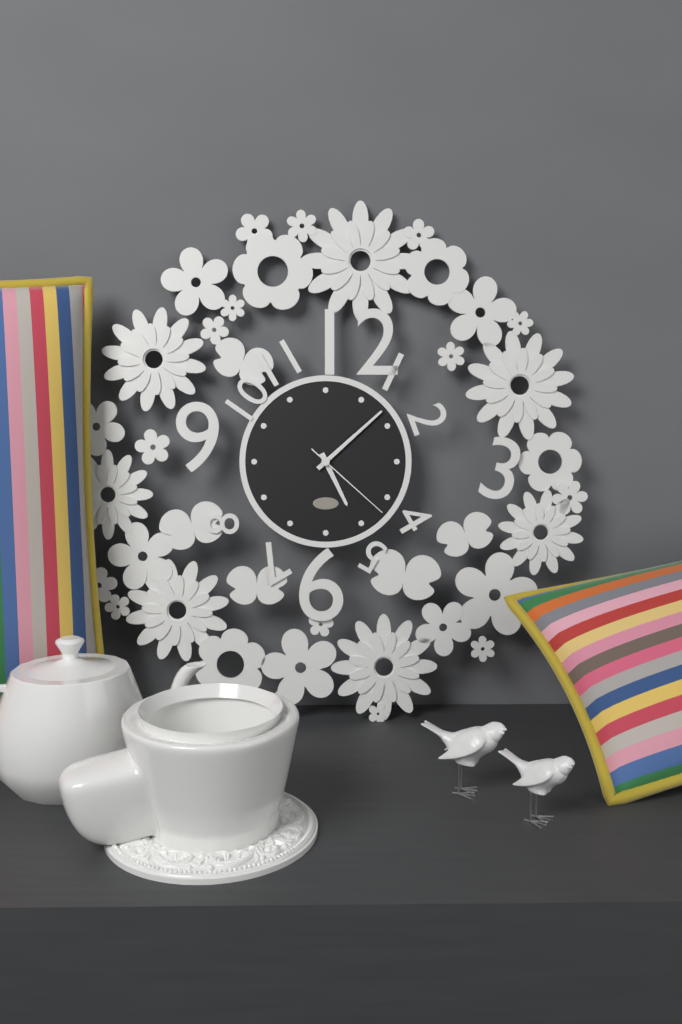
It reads 5h08m22s
